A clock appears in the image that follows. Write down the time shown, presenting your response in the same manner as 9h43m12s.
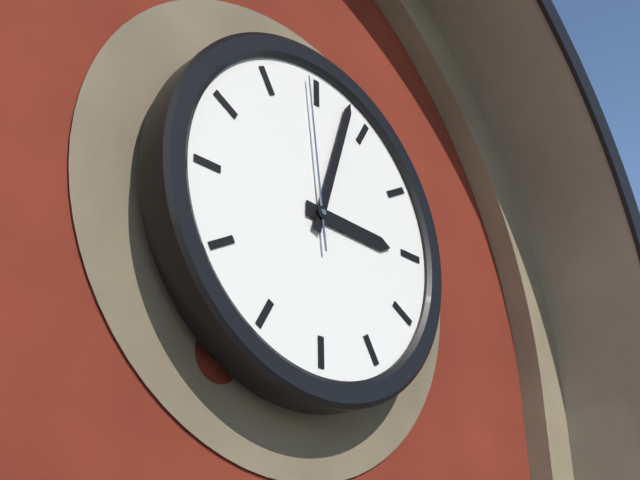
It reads 3h03m59s
